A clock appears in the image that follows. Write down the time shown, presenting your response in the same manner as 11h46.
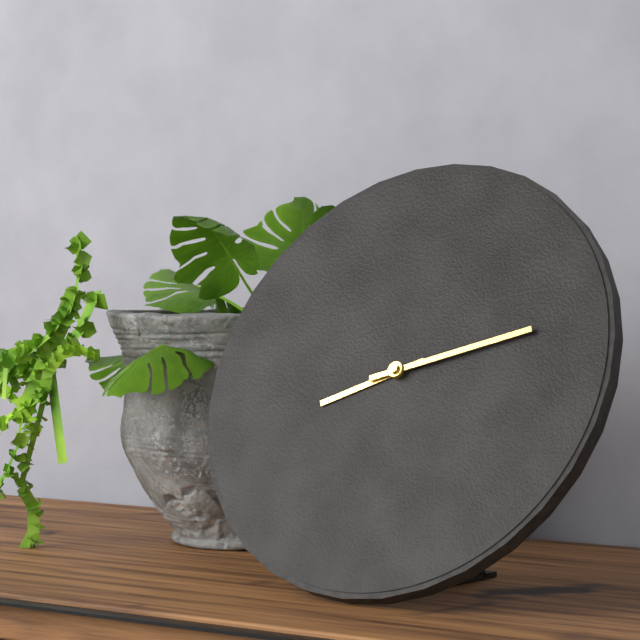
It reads 8h12
